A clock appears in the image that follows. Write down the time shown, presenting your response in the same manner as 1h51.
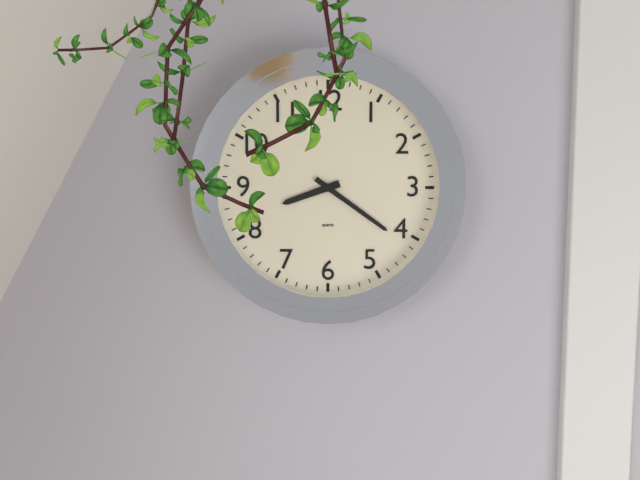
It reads 8h21
